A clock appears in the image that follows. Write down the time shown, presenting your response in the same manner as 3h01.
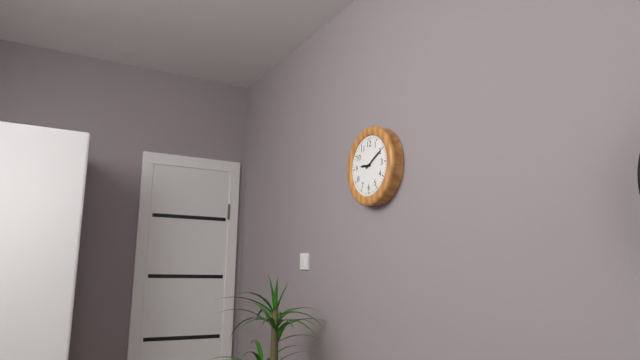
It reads 9h10
